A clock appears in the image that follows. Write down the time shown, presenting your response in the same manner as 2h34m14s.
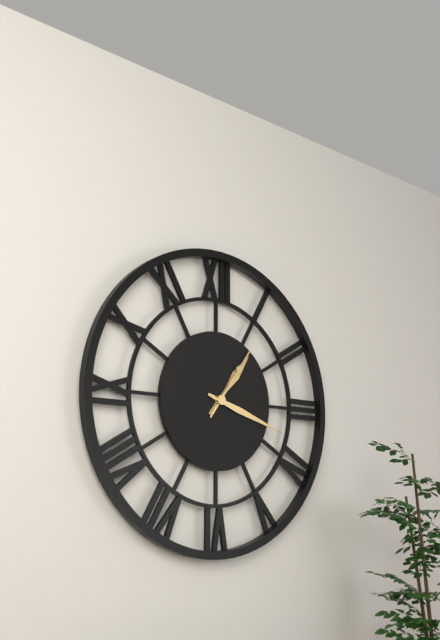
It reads 1h18m06s
